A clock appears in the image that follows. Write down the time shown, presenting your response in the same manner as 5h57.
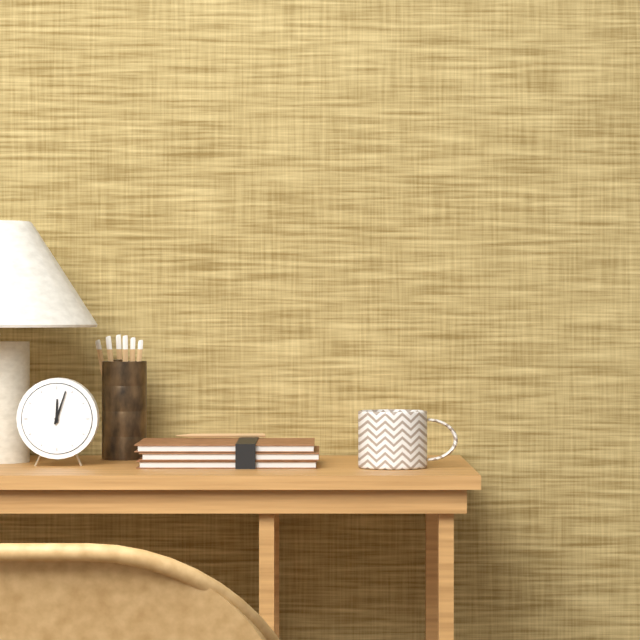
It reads 12h03
